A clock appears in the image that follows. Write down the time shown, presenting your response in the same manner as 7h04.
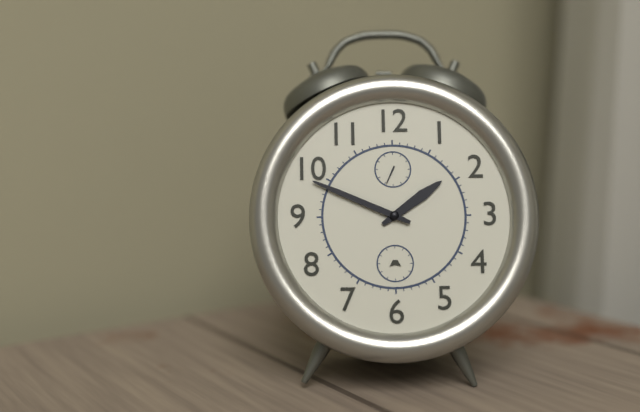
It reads 1h49
